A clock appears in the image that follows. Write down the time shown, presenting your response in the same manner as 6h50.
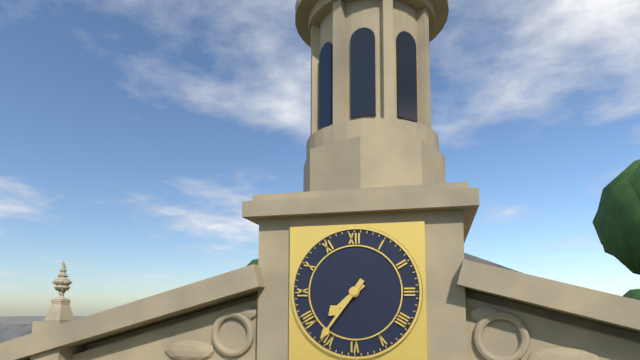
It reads 7h36
